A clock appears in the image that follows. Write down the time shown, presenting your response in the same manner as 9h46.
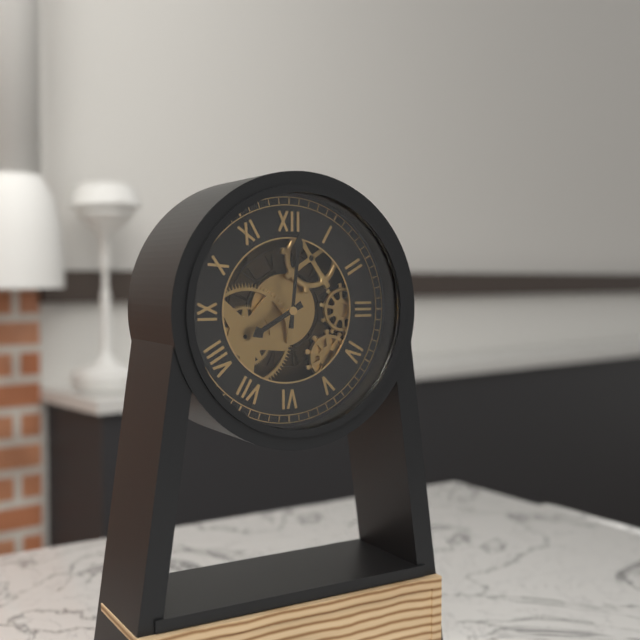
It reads 8h01
